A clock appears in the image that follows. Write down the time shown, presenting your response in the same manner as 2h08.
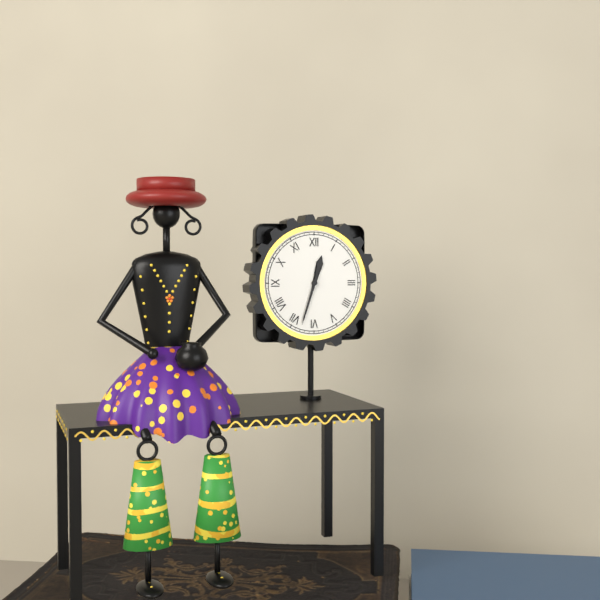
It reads 12h33
